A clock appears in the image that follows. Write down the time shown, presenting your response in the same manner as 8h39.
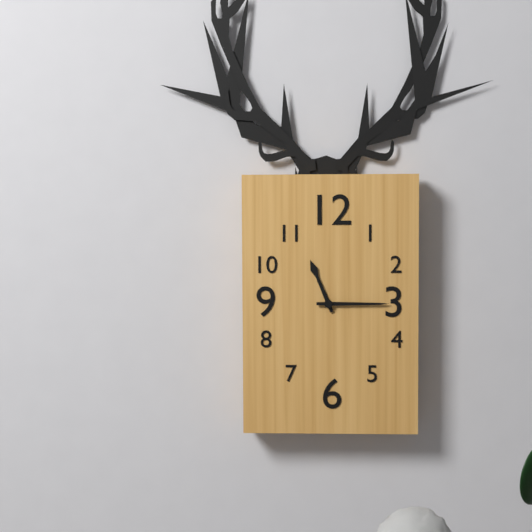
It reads 11h15
